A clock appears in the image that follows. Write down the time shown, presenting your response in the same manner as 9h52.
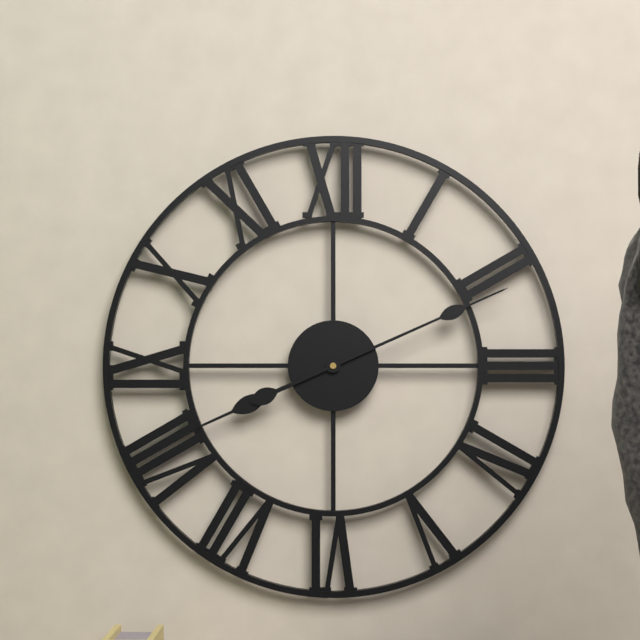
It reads 8h11
